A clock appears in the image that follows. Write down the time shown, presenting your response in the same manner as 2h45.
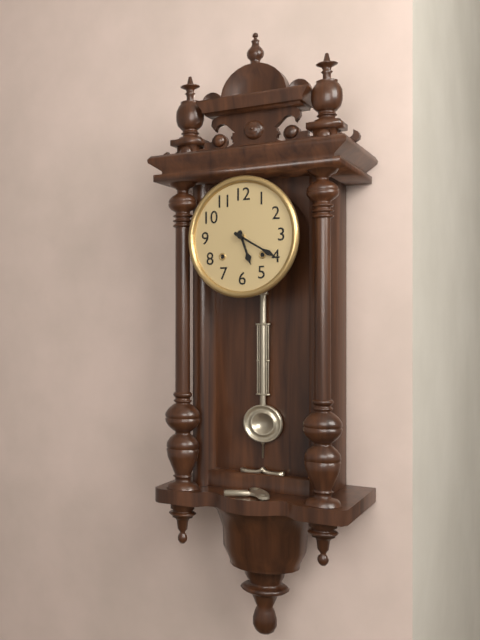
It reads 5h20
